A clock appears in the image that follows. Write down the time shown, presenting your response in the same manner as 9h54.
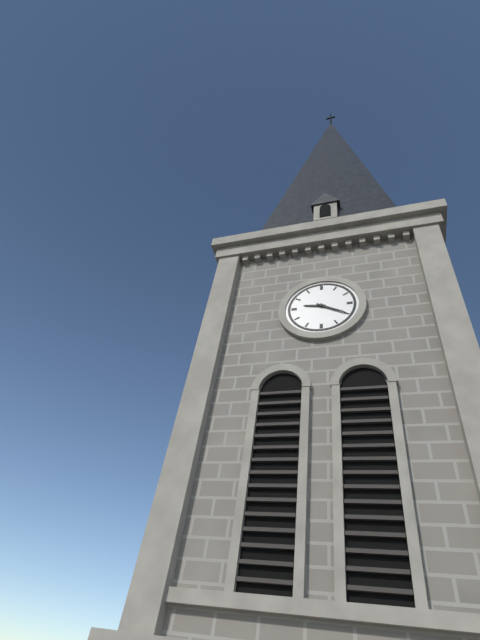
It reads 9h20
